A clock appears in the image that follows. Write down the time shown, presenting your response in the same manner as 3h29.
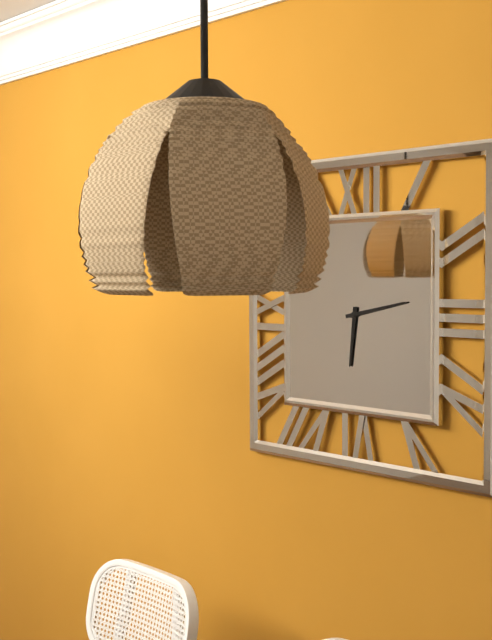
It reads 6h13
